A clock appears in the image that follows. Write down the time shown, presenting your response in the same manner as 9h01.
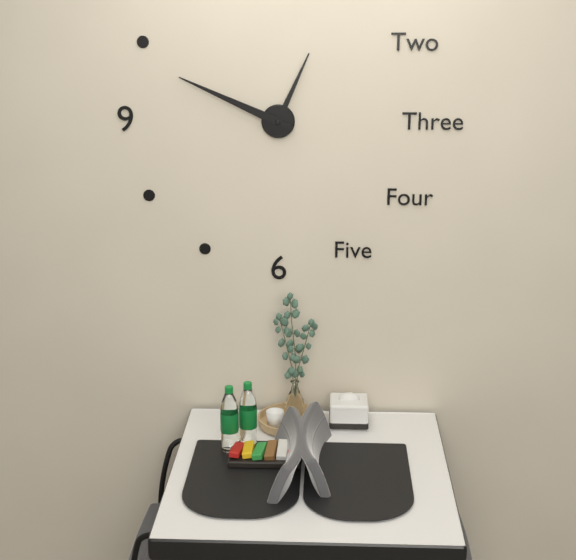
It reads 12h49
